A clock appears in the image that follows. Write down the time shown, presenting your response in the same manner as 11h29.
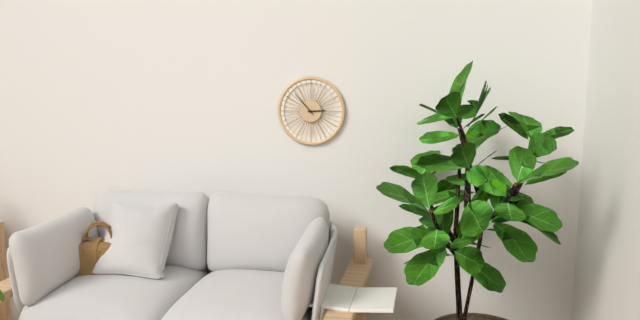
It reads 2h53
